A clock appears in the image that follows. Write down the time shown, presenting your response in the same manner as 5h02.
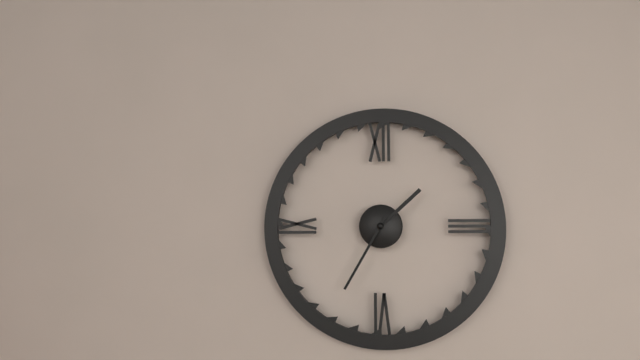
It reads 1h35
